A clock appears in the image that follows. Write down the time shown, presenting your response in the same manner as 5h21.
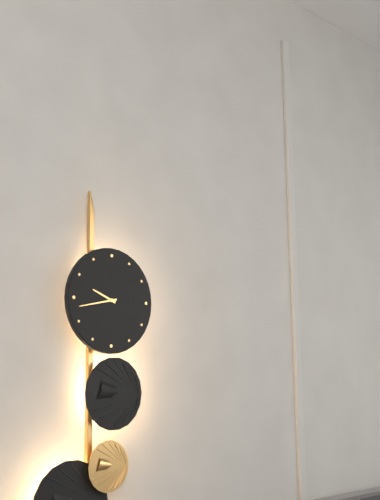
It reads 9h43
